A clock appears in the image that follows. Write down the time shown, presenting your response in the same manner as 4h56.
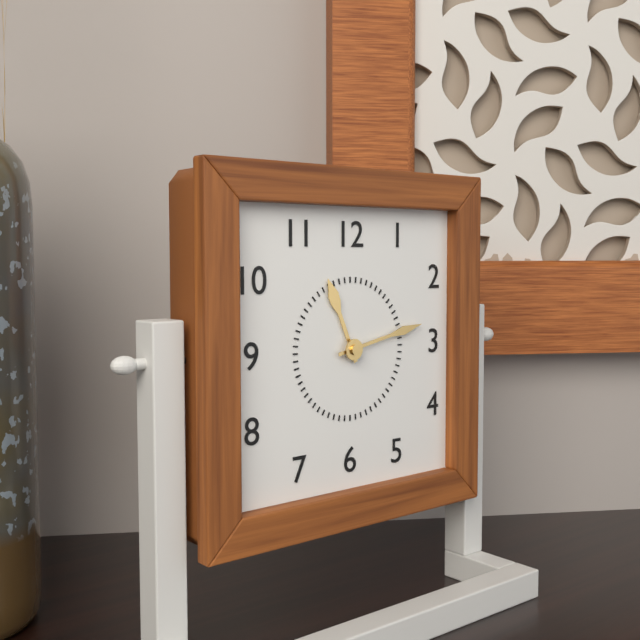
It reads 11h13
